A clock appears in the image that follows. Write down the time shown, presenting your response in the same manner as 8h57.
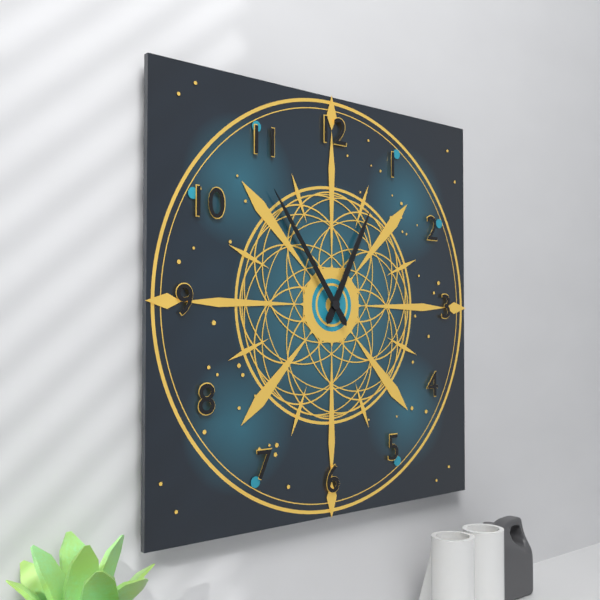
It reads 12h54
